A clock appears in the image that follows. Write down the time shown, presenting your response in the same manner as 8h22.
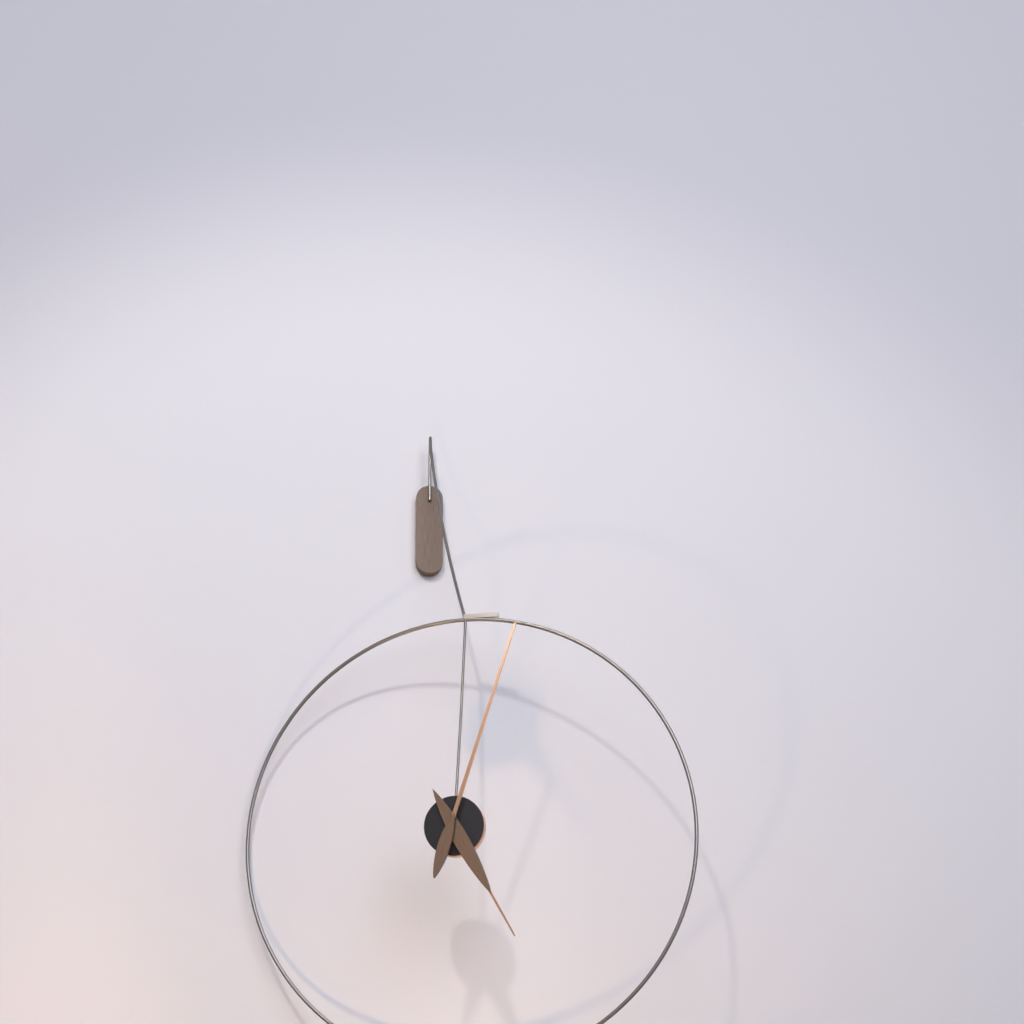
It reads 5h03
